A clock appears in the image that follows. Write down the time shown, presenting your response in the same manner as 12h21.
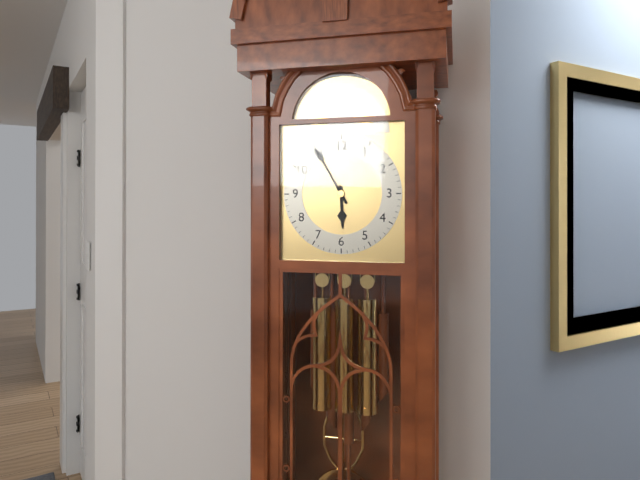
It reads 5h55
